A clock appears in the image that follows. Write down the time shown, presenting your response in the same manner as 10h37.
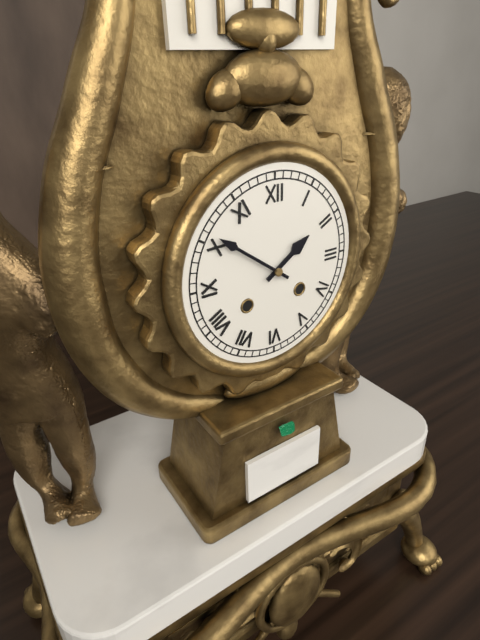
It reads 1h51
